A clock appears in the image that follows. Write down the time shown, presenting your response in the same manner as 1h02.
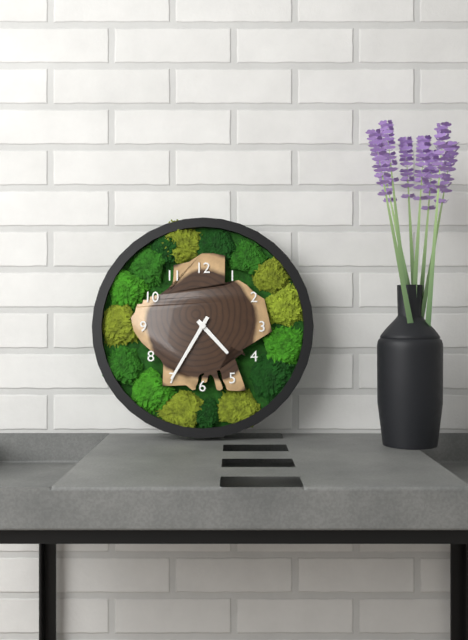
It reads 4h35
